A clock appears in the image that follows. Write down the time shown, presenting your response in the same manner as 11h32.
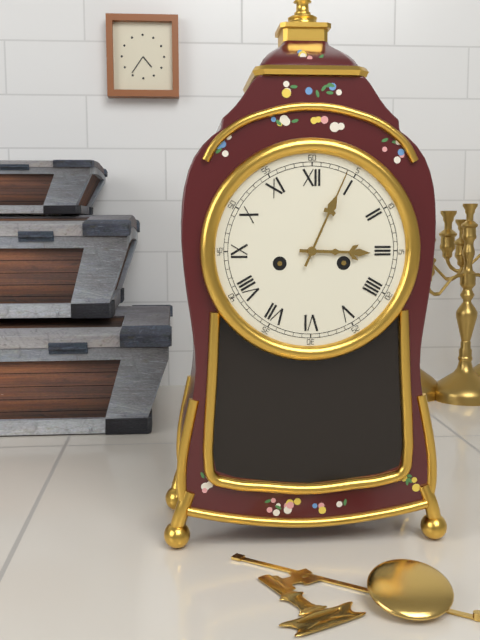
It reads 3h04
